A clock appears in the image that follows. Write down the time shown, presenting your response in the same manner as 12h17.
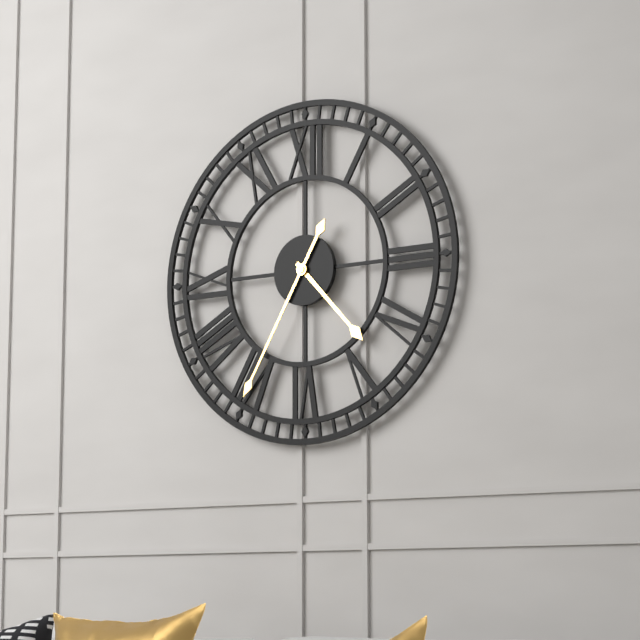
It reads 4h35
